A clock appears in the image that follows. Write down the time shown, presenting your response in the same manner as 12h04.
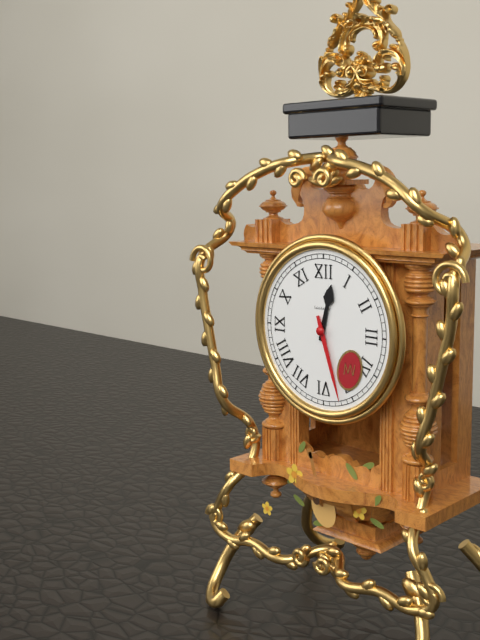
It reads 12h27
